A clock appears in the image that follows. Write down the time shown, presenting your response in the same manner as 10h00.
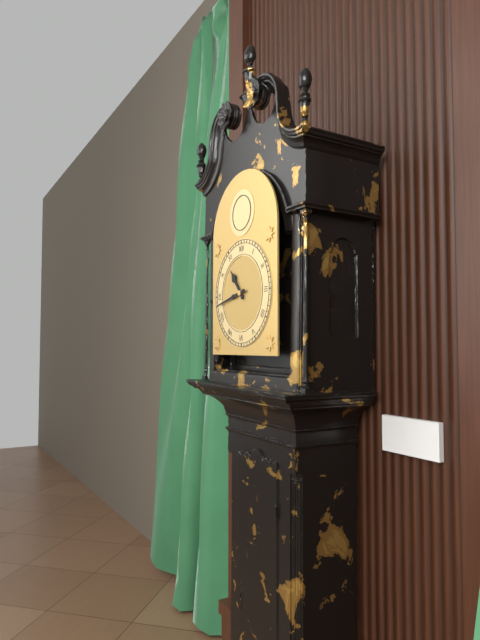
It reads 10h43
